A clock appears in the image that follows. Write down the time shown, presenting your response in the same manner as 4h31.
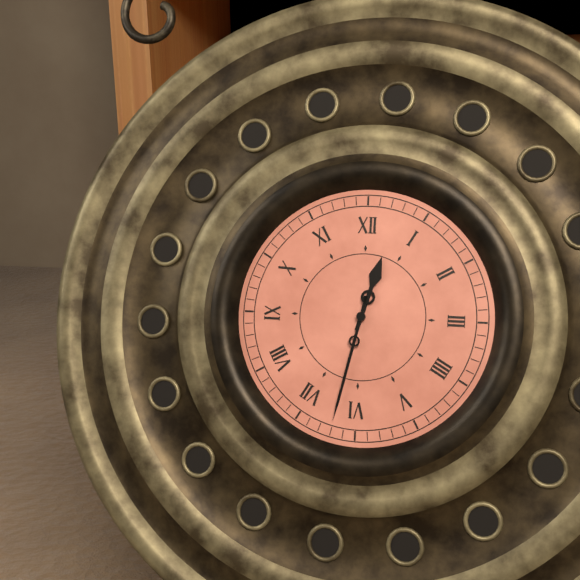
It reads 12h32
